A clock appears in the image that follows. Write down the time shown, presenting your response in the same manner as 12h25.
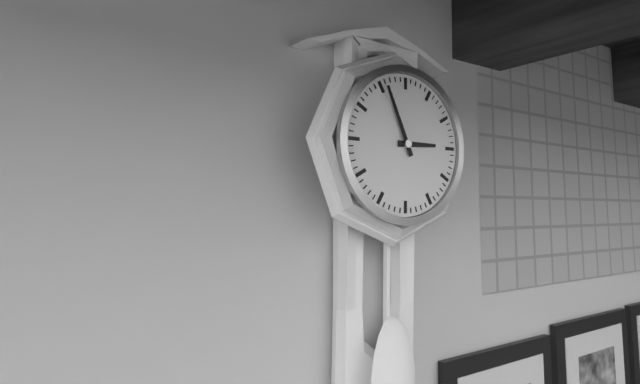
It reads 2h56
